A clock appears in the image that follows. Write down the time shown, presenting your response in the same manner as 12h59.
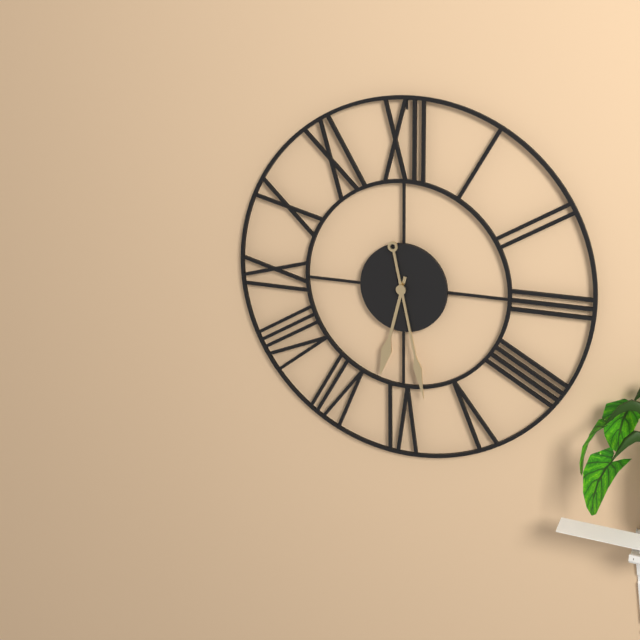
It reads 6h28
